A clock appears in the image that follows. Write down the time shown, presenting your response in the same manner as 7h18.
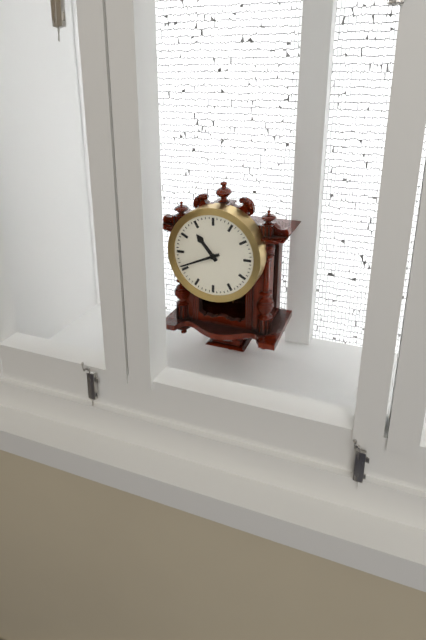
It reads 10h41
